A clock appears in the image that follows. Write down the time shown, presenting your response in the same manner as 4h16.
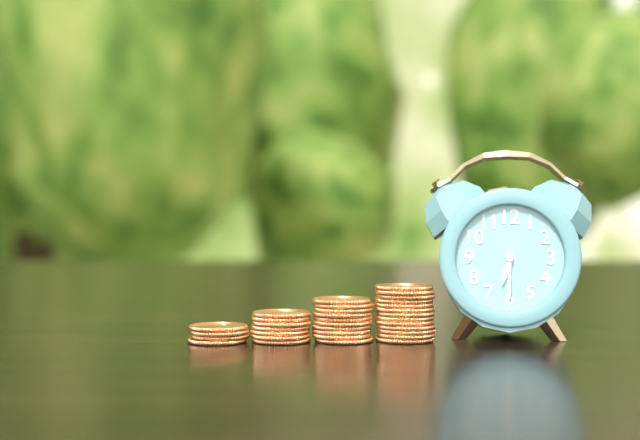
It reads 6h30
